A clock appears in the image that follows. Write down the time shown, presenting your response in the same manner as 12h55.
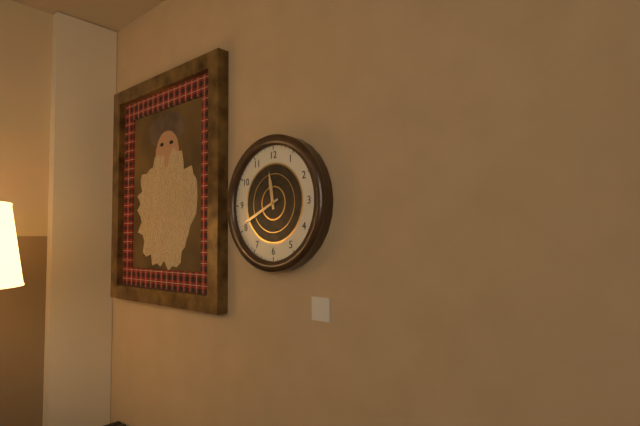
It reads 11h41
